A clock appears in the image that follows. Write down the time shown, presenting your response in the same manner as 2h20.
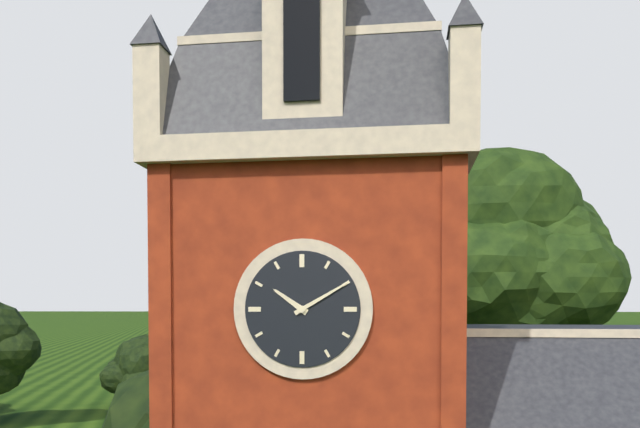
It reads 10h10
